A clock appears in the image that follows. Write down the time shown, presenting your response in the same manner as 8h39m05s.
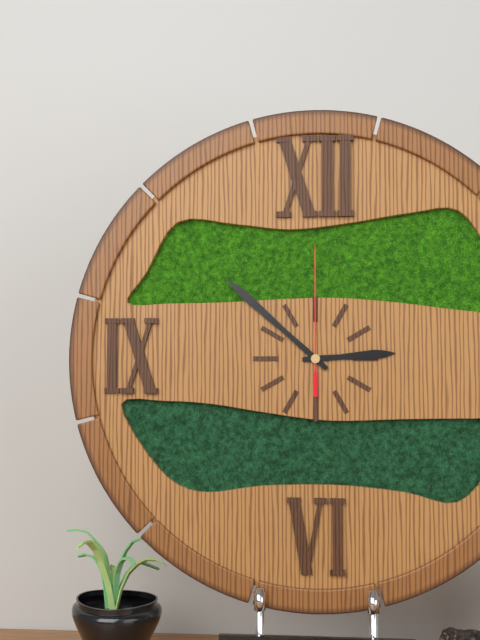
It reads 2h52m00s
